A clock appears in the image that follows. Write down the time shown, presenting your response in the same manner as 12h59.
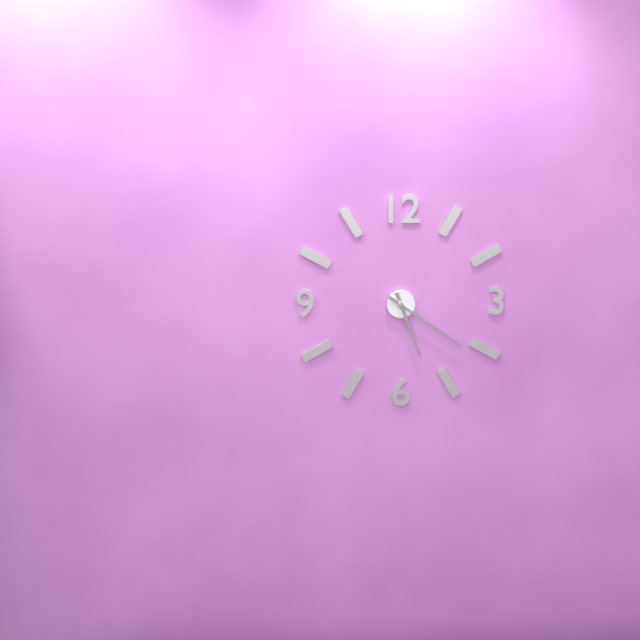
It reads 5h21
